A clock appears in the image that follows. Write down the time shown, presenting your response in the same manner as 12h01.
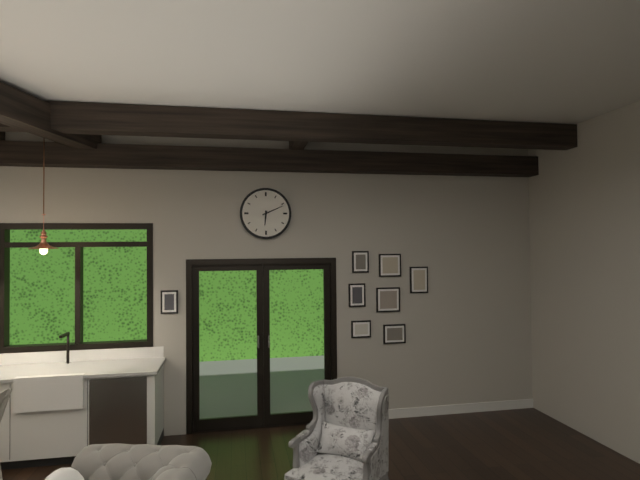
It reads 6h11
